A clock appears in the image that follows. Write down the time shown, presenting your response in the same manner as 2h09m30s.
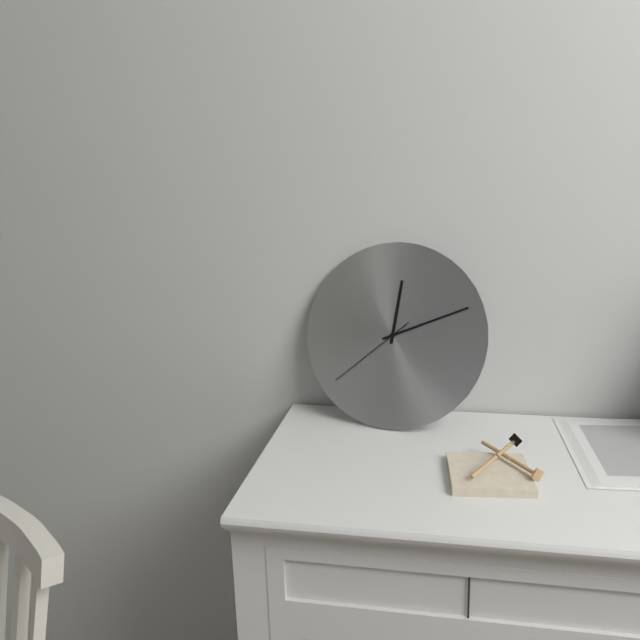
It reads 12h11m38s
